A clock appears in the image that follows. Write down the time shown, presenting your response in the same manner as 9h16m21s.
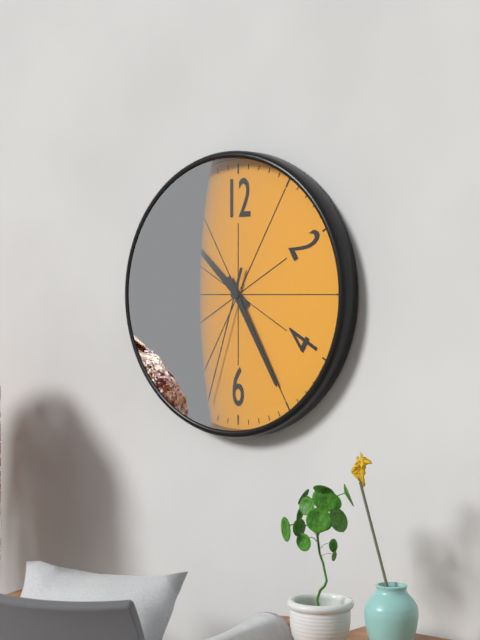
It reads 10h25m33s
